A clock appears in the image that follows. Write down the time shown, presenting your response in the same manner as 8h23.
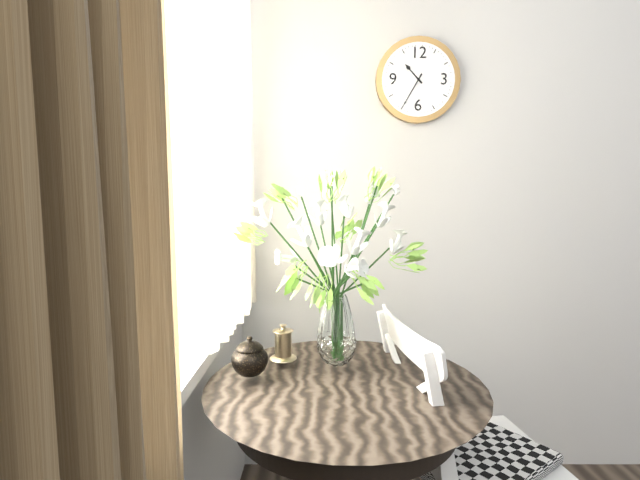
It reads 10h35
